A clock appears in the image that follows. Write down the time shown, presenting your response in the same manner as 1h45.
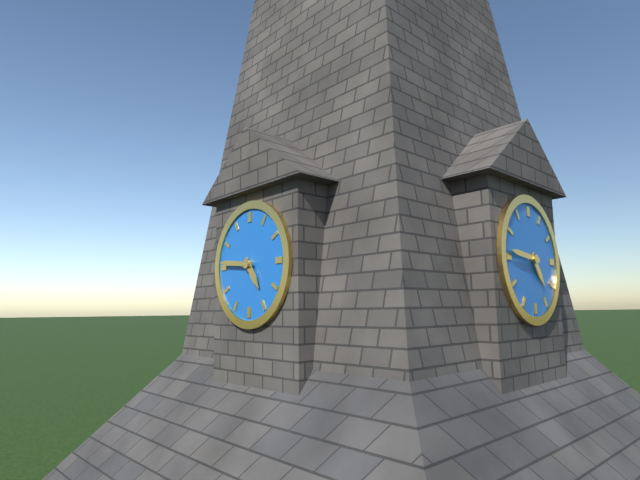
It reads 4h46
